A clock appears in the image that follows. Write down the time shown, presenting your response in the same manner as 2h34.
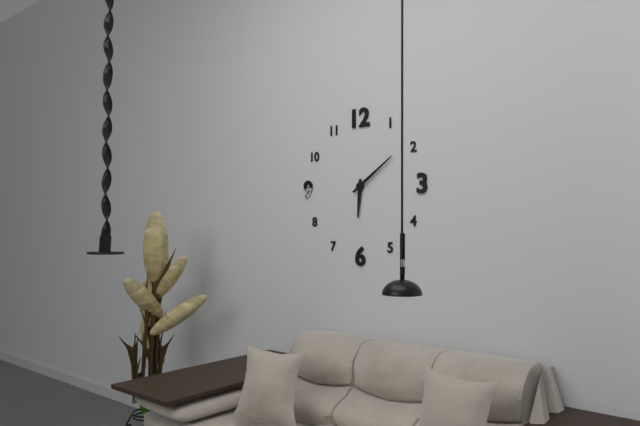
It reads 6h09
